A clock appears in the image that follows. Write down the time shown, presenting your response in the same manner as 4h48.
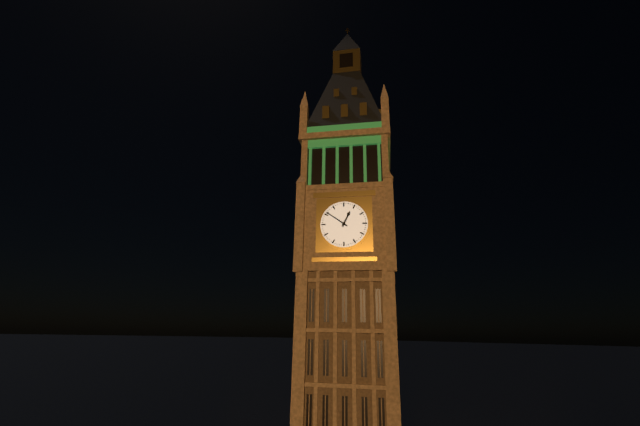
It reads 12h51
